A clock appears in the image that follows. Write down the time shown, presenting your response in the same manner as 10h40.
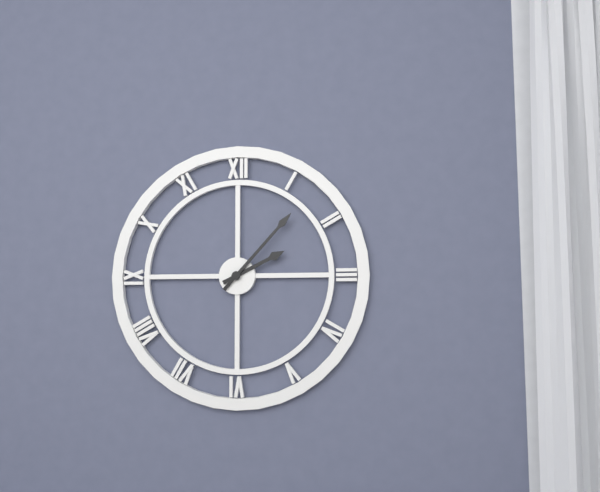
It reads 2h07
